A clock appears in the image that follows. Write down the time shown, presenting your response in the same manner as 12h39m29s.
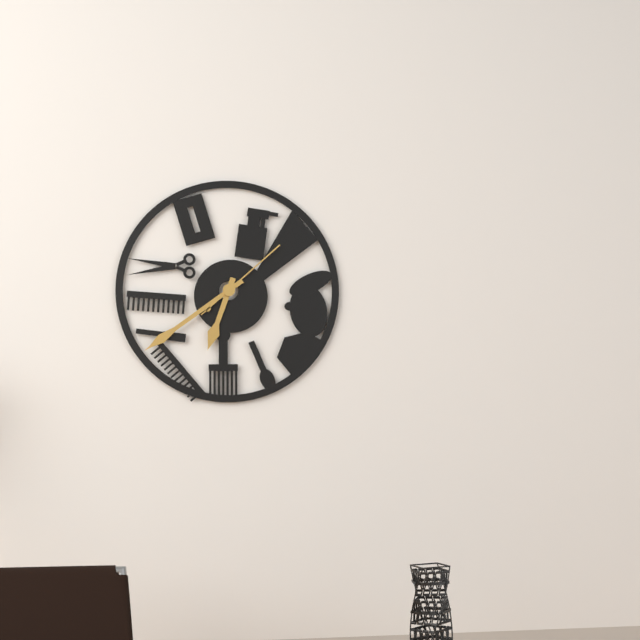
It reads 6h39m08s
